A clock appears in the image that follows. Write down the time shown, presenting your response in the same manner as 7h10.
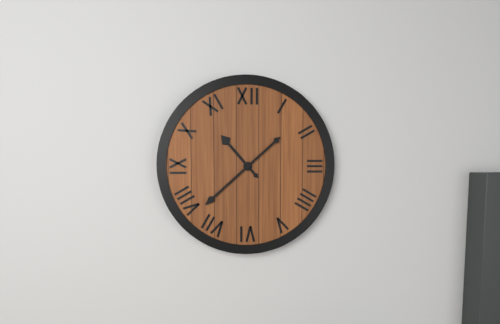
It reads 10h38
